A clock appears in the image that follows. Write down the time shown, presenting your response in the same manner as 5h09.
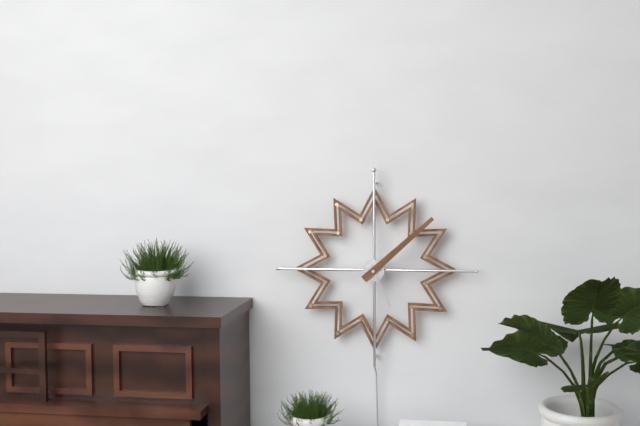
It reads 5h08
